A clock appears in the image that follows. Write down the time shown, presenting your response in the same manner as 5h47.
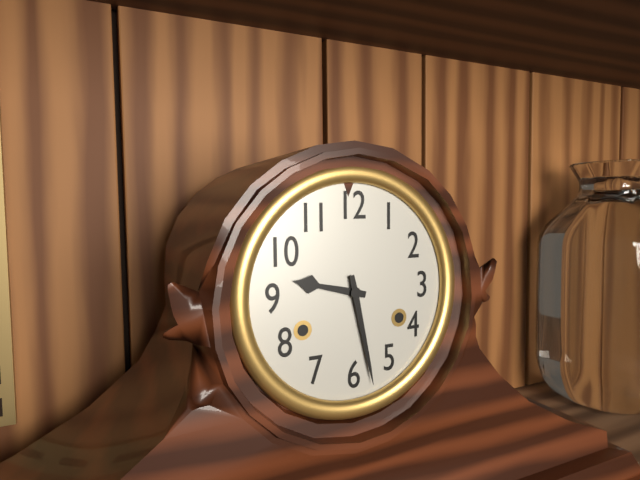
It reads 9h28
